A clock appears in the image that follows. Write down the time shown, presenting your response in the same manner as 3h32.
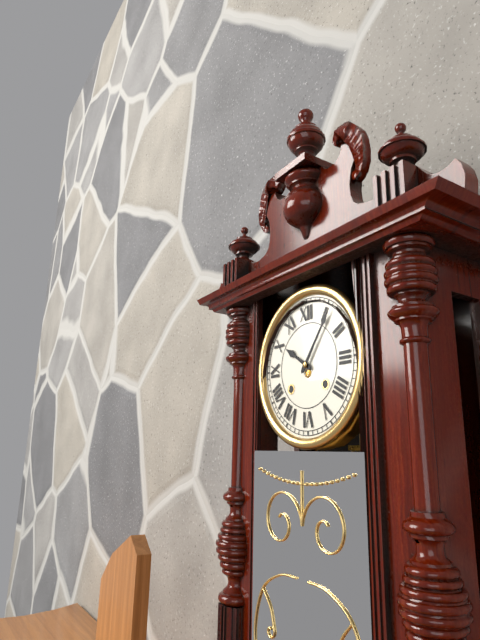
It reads 10h06
